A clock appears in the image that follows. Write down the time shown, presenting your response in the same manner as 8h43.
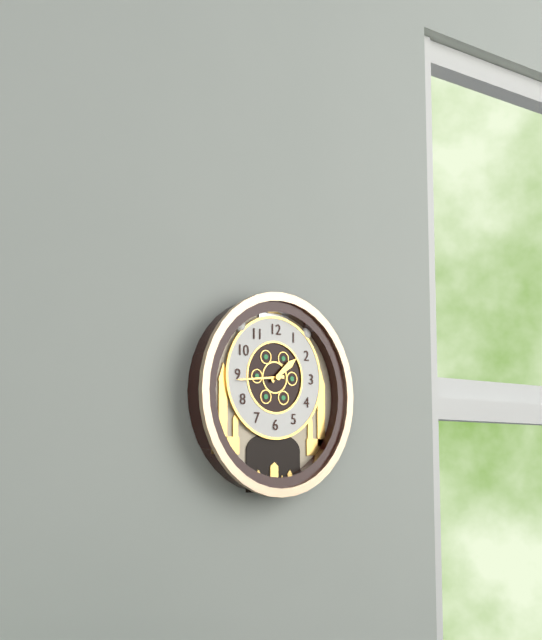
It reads 1h44
